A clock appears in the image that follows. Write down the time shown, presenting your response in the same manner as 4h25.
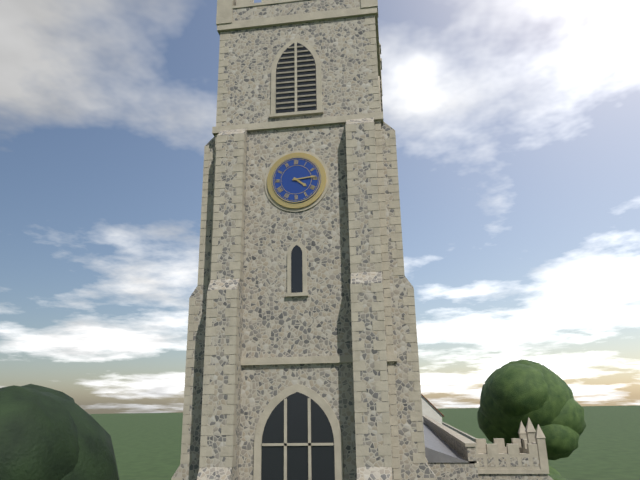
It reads 4h14
